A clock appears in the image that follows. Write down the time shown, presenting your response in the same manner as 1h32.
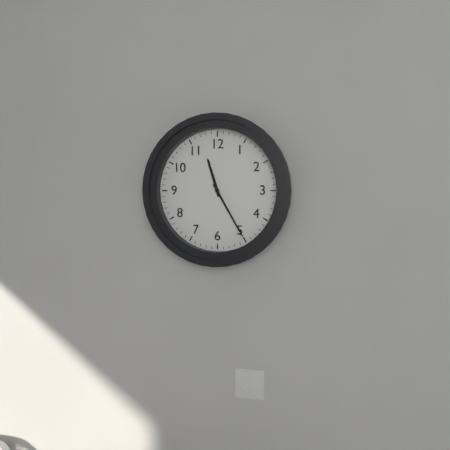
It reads 11h25
